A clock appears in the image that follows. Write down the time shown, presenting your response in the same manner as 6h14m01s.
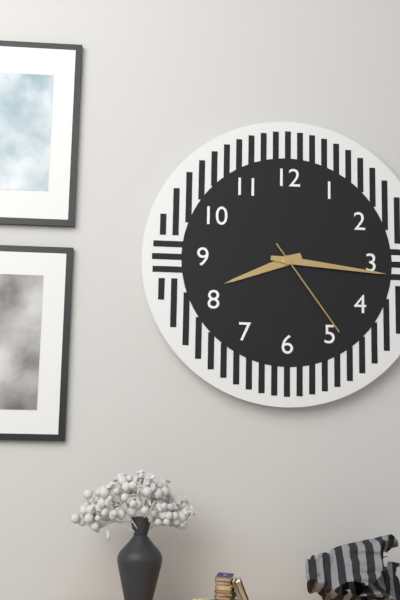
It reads 8h16m24s
